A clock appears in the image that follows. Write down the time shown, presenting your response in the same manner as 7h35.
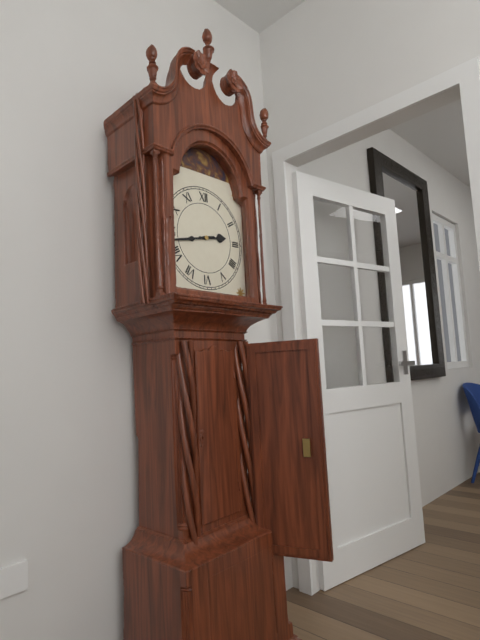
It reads 2h43
